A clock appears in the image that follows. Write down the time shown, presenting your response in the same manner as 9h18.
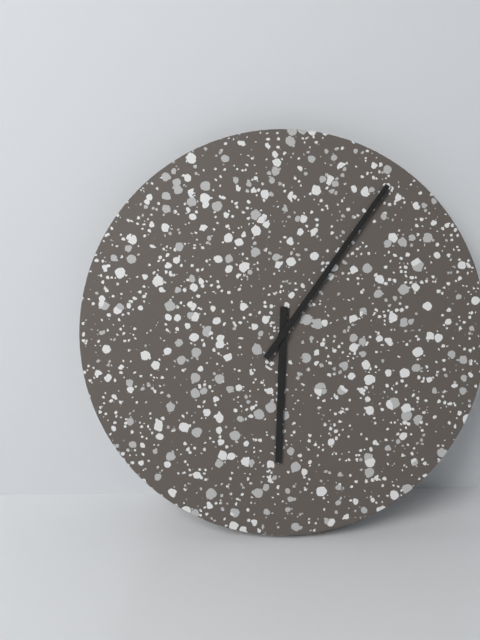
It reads 6h06
